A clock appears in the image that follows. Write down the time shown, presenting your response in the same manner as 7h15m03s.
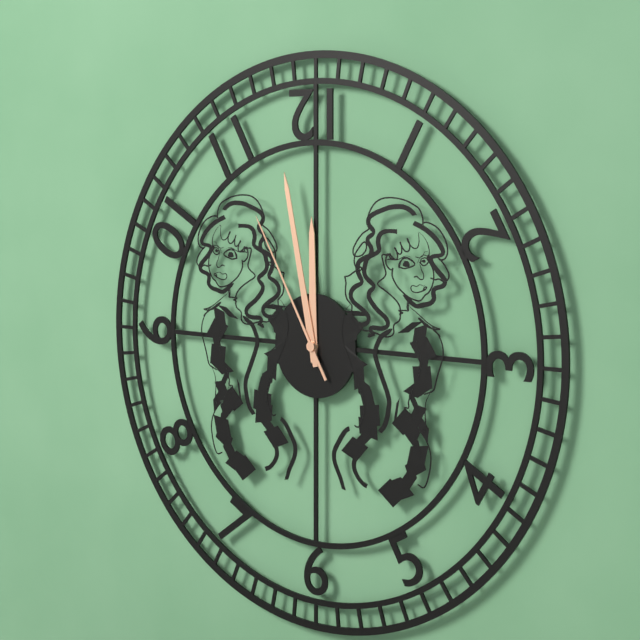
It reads 11h58m55s
